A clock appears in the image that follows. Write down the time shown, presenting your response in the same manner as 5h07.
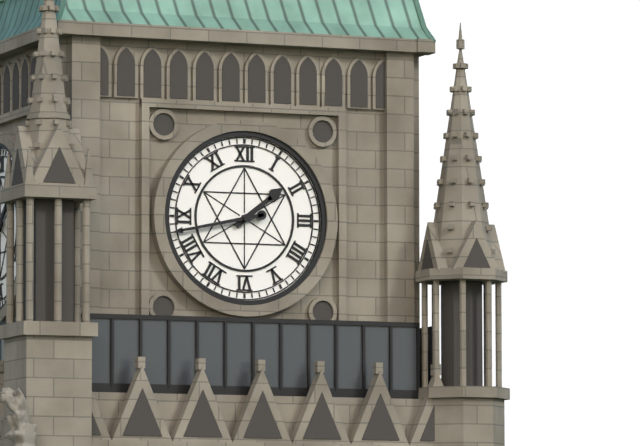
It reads 1h43
